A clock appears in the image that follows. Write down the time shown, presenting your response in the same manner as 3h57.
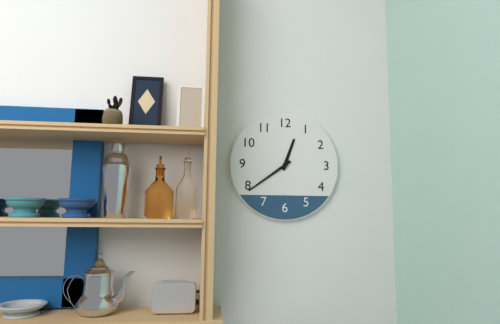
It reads 12h39
